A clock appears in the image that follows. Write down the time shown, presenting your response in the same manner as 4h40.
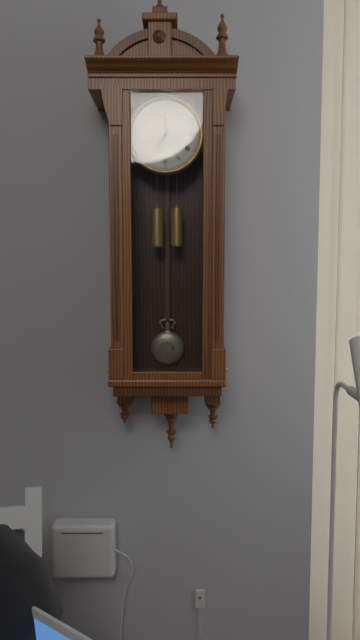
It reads 7h00
